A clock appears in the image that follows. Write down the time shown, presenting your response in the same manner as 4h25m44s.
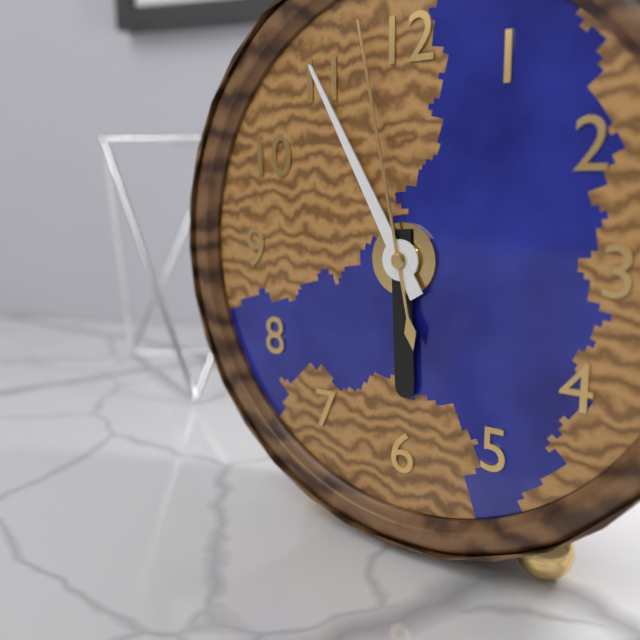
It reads 5h55m58s
